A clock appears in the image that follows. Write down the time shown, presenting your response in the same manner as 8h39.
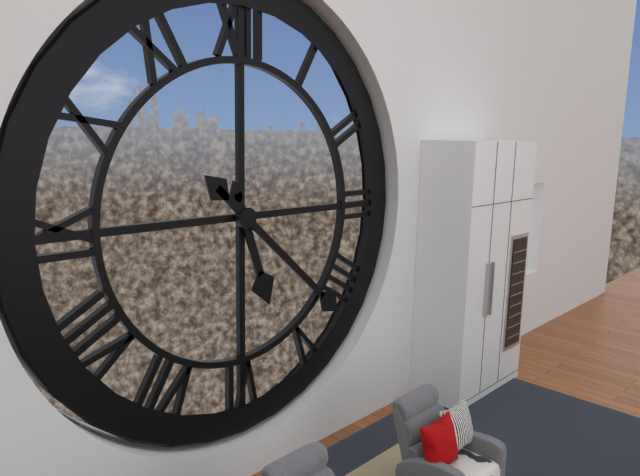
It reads 5h22
